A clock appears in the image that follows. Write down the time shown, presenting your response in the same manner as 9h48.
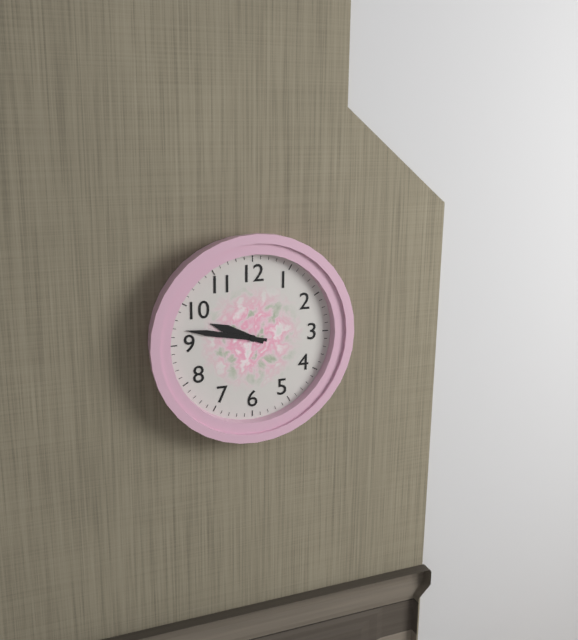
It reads 9h47
